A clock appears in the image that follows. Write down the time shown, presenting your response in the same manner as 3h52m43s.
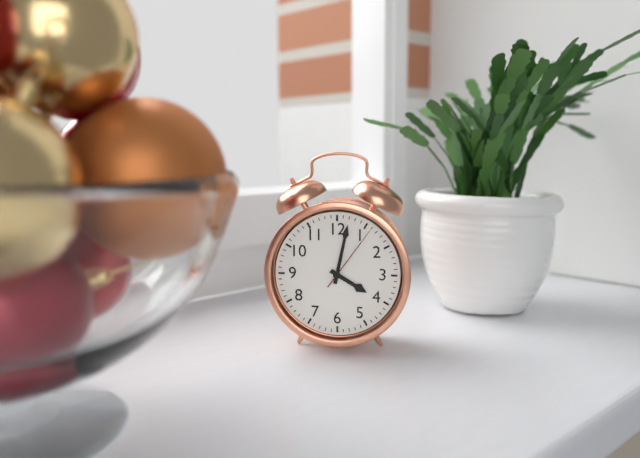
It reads 4h02m06s
